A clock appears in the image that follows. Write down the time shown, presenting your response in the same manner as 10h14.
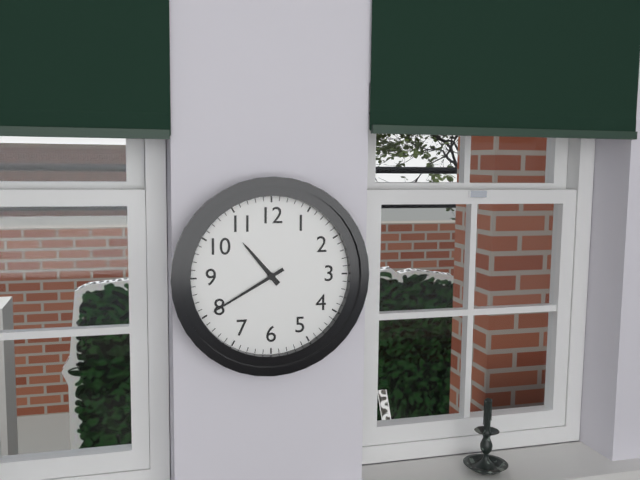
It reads 10h40
